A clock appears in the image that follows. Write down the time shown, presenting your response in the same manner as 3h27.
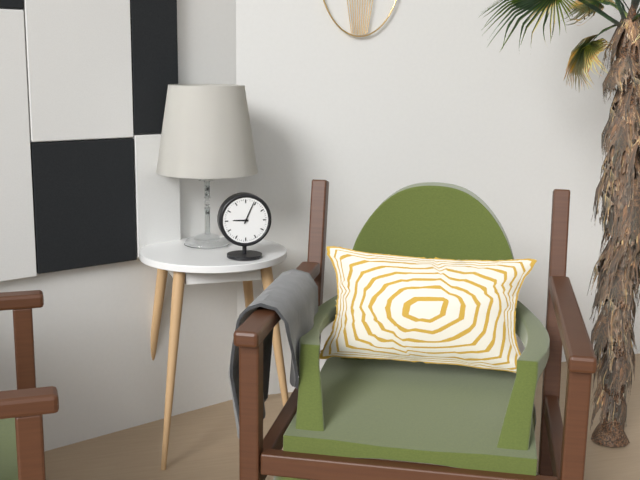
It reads 9h04
